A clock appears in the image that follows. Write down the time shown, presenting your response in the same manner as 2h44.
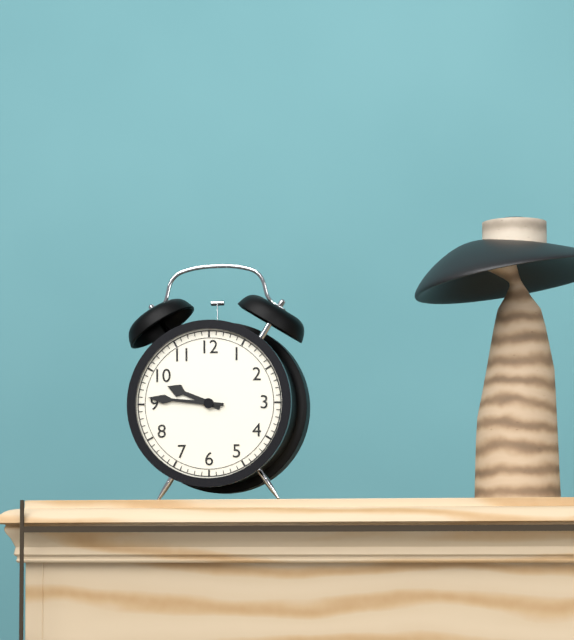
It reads 9h46
